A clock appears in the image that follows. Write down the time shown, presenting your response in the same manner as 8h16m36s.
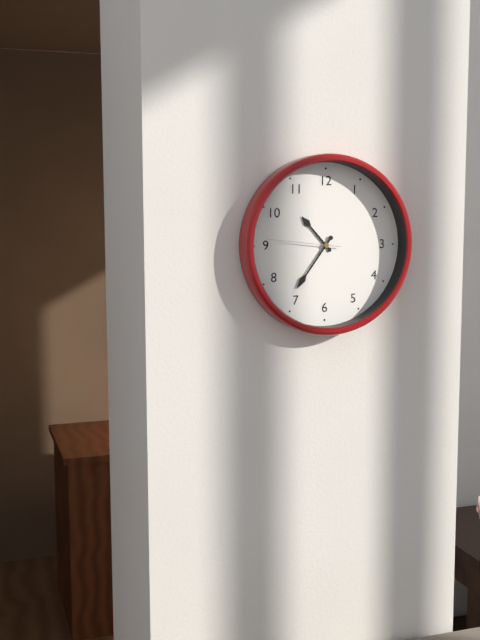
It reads 10h36m46s
